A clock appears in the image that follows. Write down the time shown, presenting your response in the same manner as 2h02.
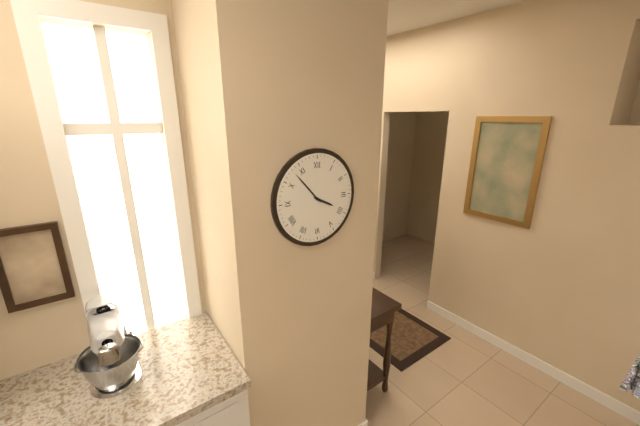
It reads 3h53
